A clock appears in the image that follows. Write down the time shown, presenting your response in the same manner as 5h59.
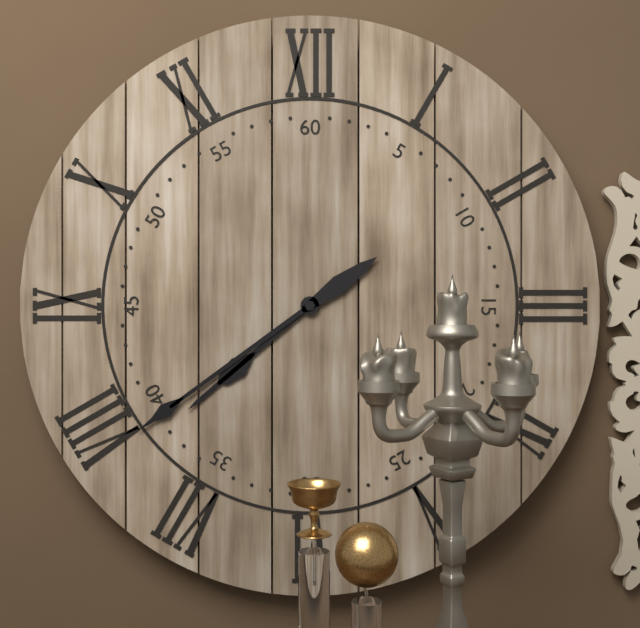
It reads 7h39
